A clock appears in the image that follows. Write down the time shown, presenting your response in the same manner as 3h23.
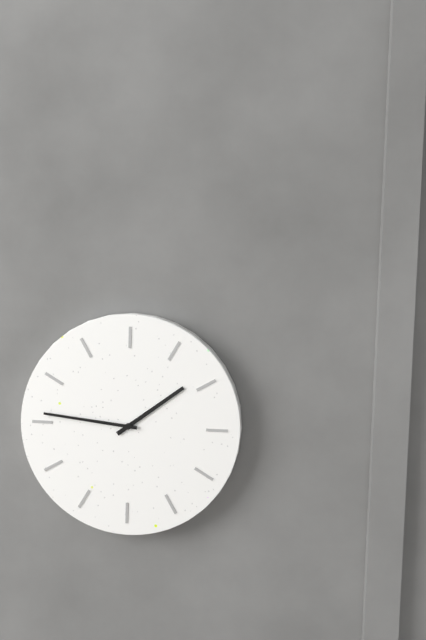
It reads 1h46
